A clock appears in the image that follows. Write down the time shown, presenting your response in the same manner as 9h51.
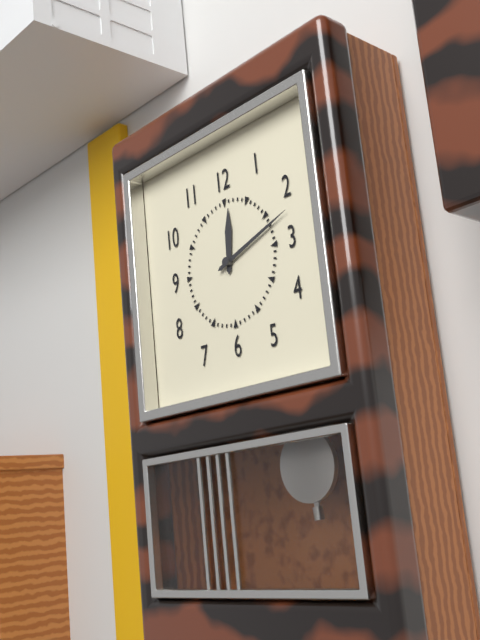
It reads 12h12
